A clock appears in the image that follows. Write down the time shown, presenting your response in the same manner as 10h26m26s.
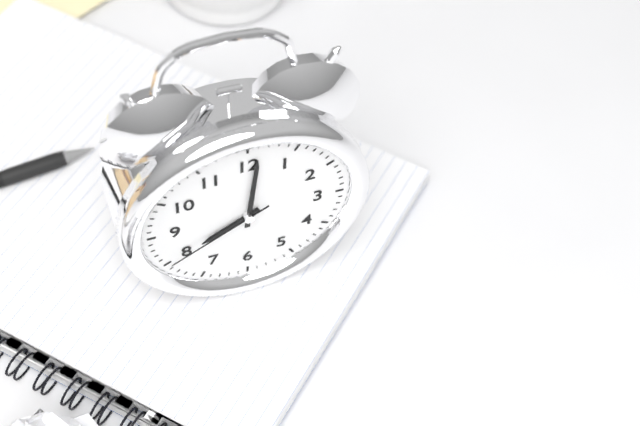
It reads 8h01m40s
